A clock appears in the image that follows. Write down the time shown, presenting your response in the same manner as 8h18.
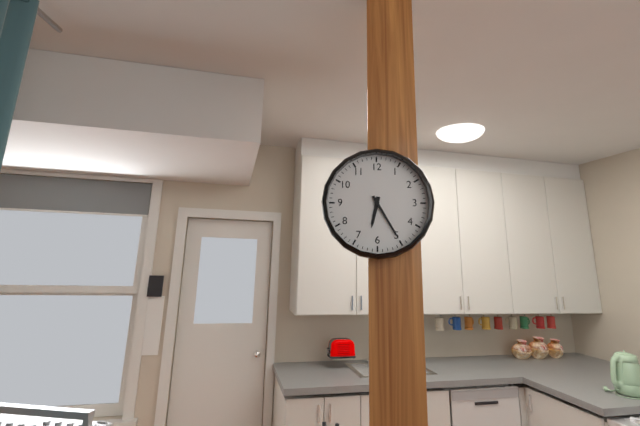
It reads 6h25
